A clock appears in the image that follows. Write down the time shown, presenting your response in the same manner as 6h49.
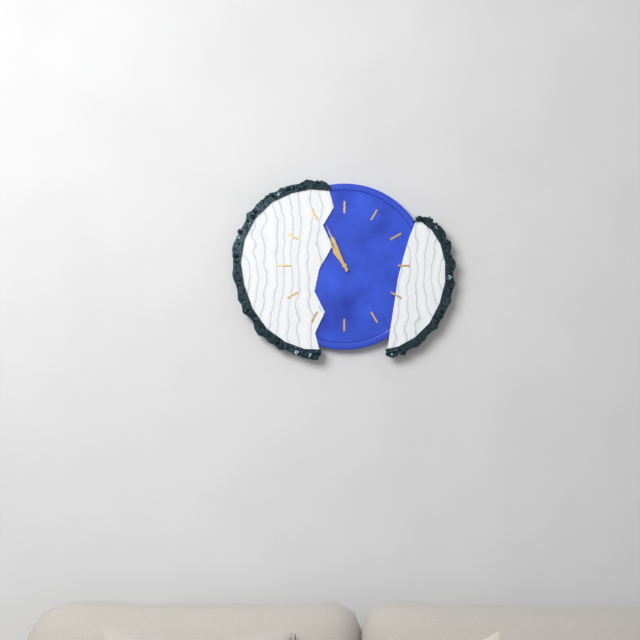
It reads 10h56
